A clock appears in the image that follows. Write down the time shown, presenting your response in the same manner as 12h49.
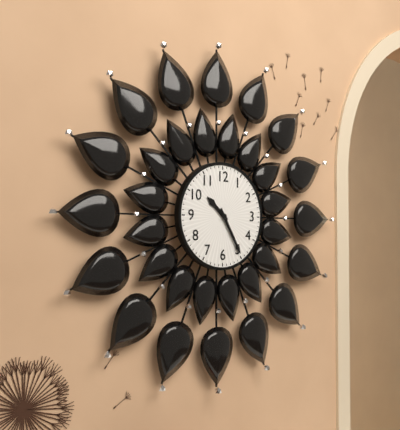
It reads 10h25
